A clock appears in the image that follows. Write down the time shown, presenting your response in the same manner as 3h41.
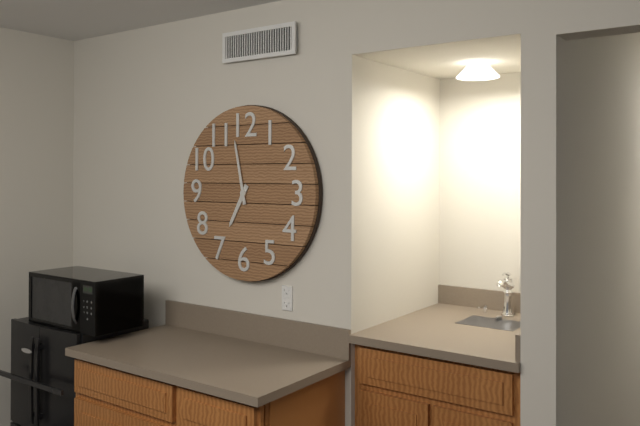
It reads 6h58
